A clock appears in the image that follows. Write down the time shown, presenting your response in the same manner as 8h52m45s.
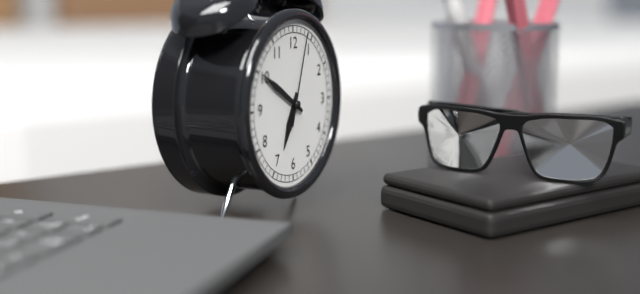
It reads 6h50m03s
